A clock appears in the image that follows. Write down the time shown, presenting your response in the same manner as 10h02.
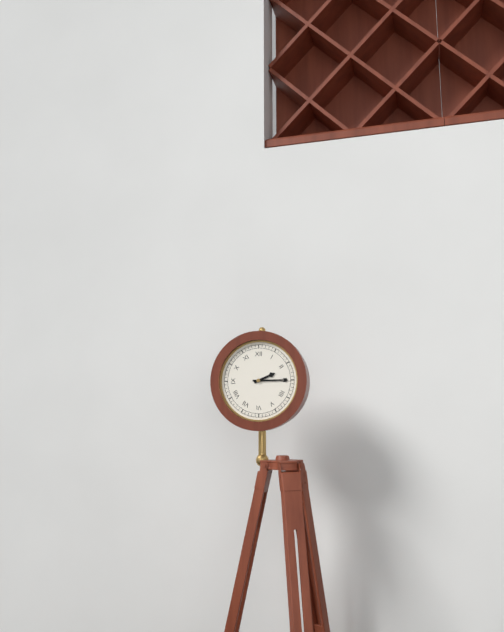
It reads 2h15
